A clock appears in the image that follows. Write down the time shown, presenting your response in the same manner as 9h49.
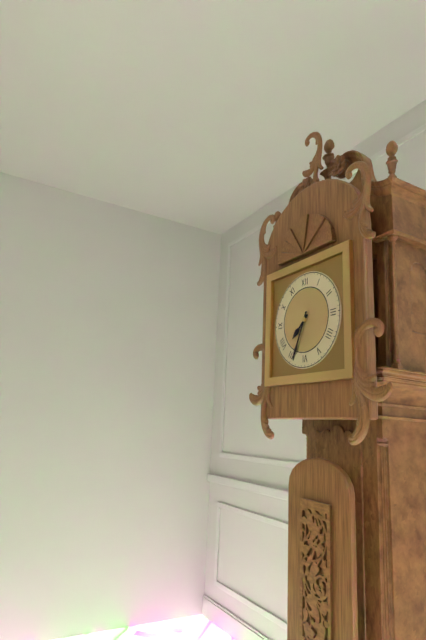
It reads 7h34
